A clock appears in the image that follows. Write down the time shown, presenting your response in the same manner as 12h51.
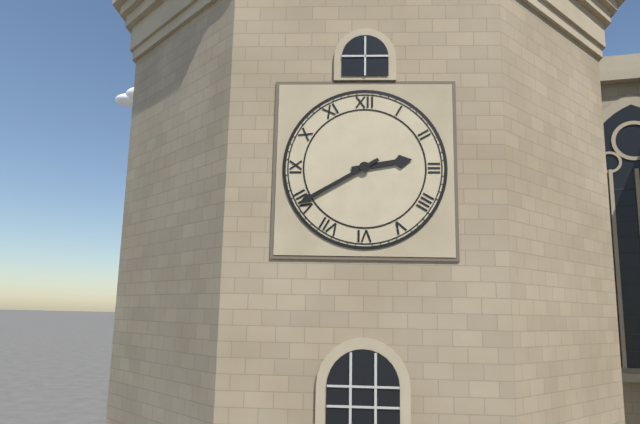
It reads 2h40
